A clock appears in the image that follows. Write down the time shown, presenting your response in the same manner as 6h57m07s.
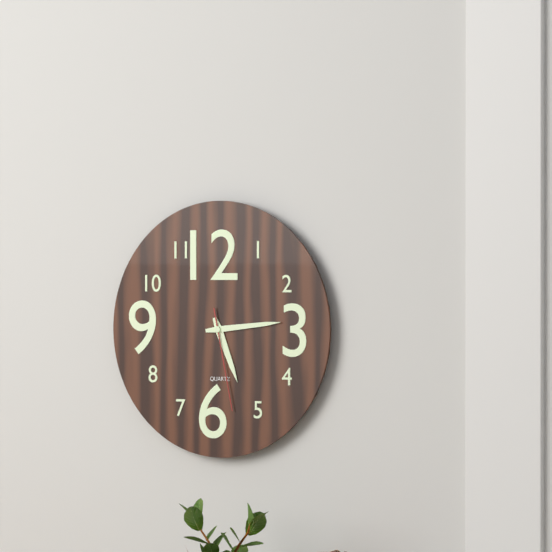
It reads 5h14m28s
